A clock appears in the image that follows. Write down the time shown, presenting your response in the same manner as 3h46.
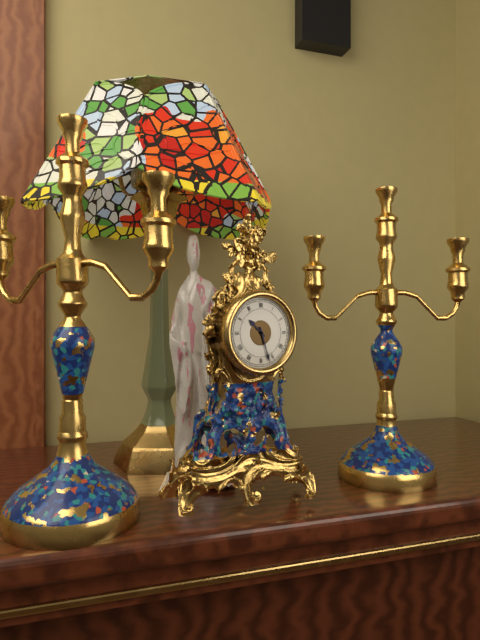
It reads 10h27
